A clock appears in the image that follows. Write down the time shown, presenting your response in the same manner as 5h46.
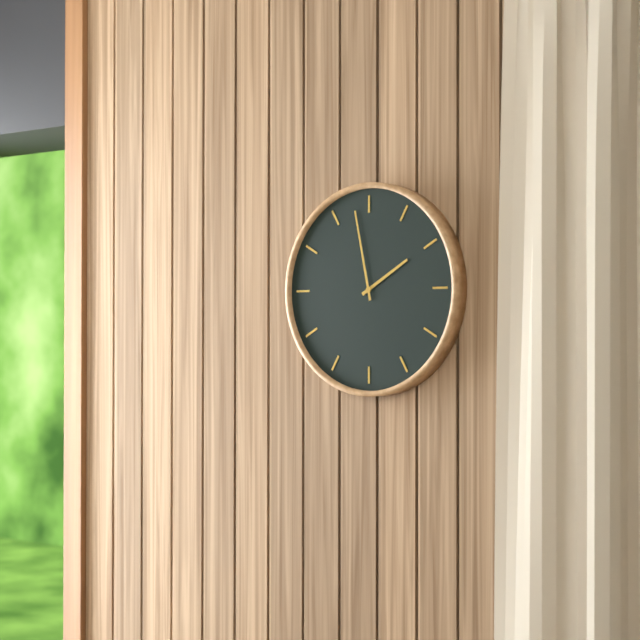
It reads 1h58
